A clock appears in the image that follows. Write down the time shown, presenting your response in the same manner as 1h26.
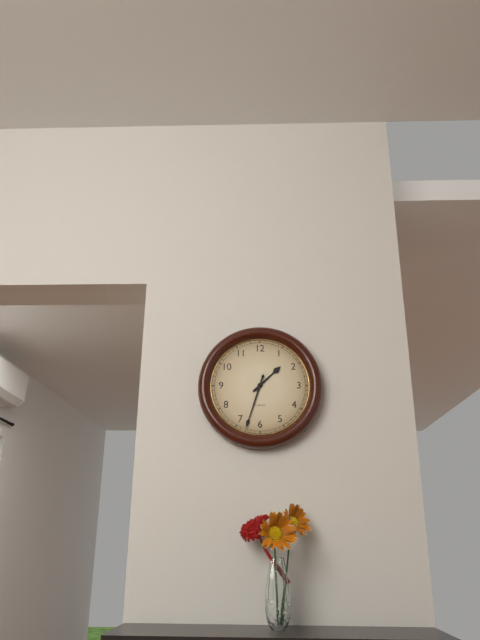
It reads 1h33
